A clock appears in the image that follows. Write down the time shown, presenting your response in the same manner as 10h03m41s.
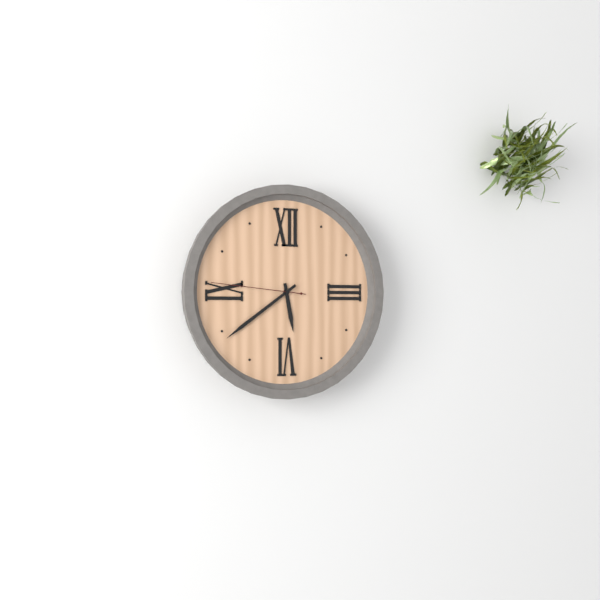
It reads 5h39m46s
